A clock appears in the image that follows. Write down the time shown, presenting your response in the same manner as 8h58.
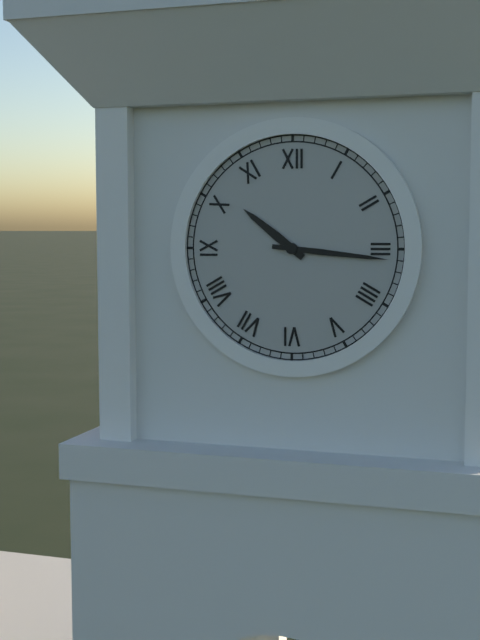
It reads 10h16
